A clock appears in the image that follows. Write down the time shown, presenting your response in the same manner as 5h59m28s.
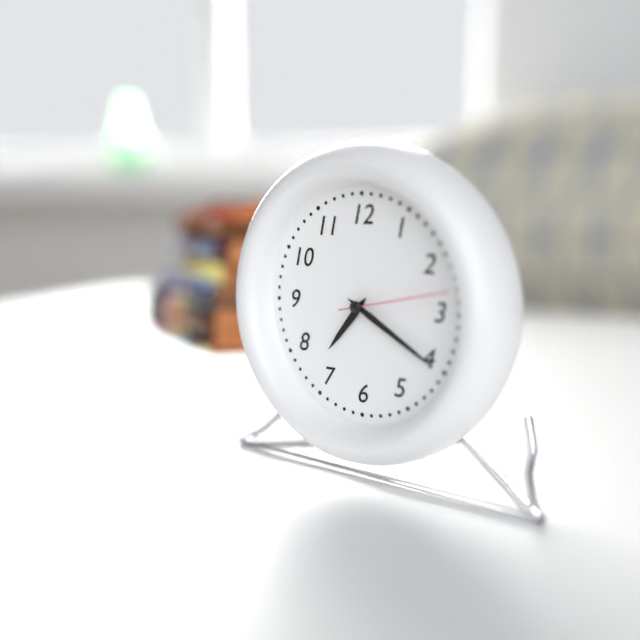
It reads 7h20m13s
